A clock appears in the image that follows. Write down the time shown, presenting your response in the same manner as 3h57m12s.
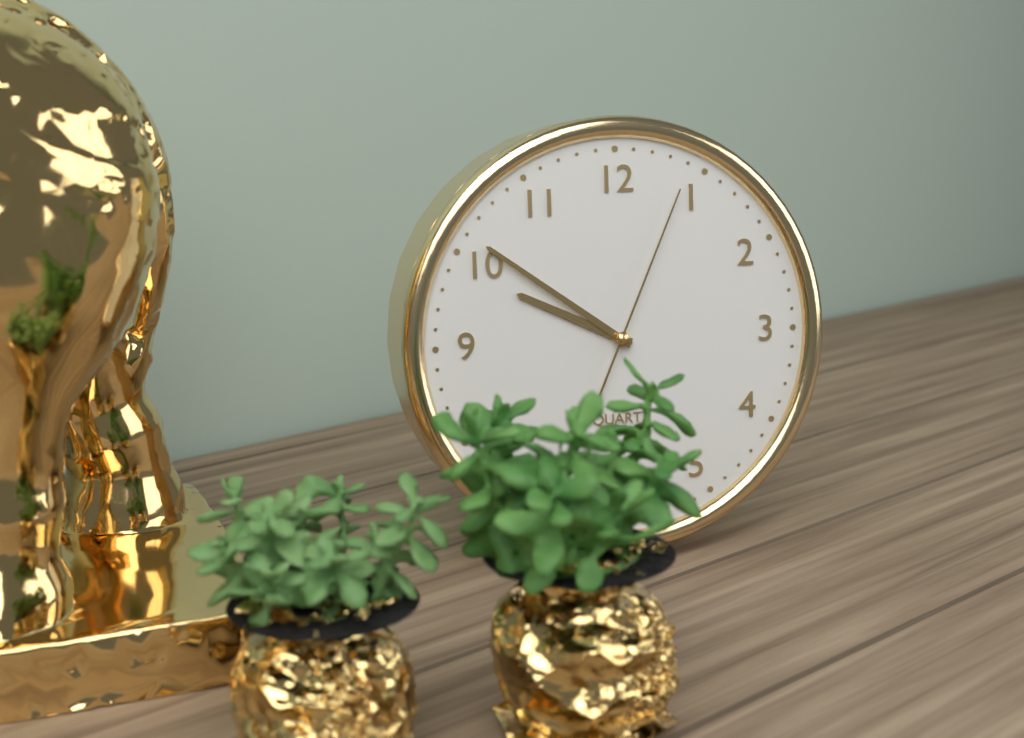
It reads 9h51m04s
